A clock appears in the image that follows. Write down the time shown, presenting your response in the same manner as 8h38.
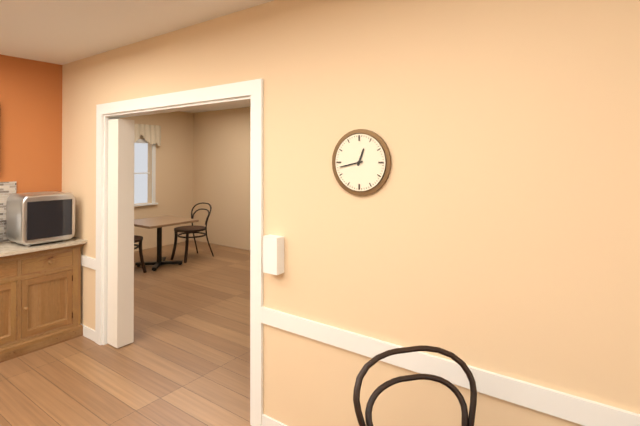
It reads 12h43
